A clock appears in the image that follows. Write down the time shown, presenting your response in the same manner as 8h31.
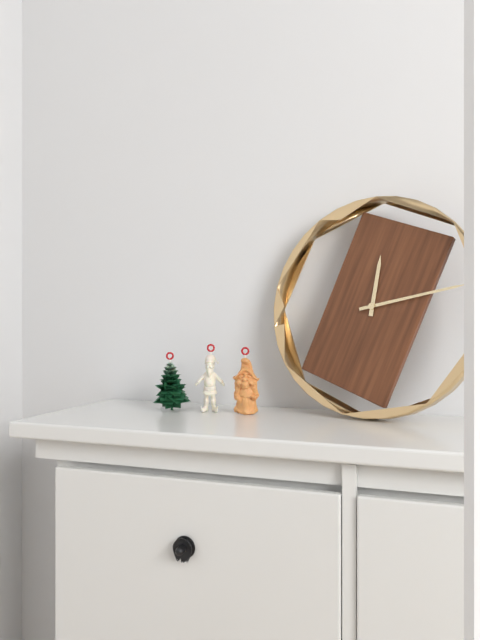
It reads 12h13
